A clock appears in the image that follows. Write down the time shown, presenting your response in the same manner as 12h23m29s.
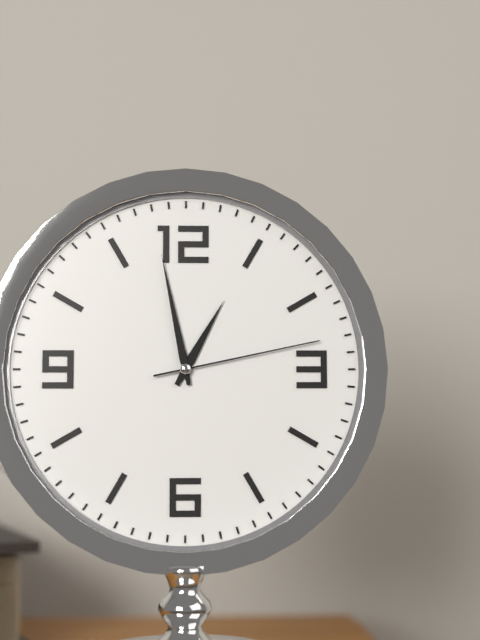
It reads 12h58m13s
